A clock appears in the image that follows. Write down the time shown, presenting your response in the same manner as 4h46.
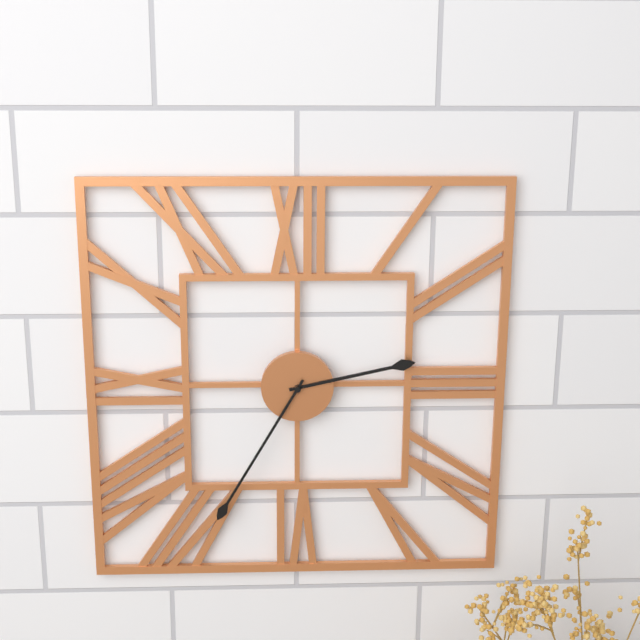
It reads 2h35
